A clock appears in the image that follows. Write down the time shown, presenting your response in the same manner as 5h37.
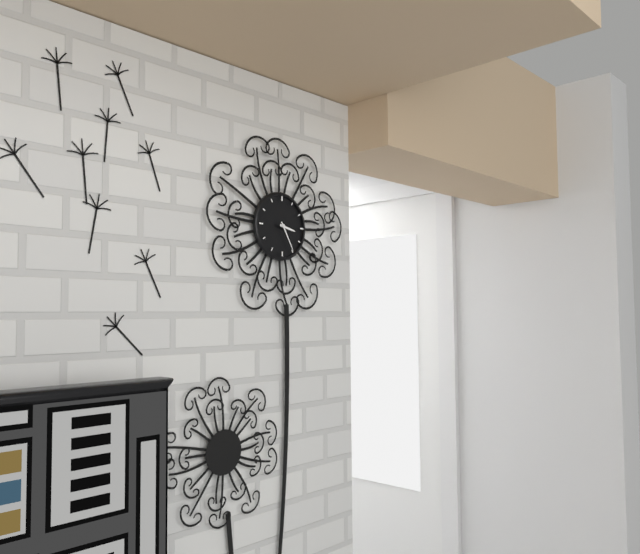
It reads 3h25
